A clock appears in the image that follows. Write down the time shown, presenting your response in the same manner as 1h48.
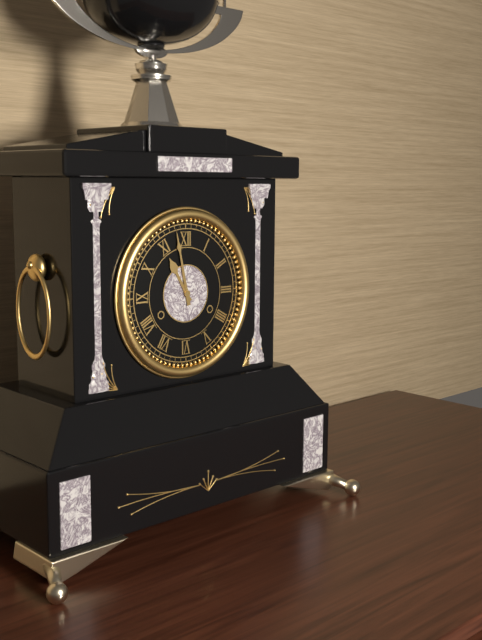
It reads 10h58
